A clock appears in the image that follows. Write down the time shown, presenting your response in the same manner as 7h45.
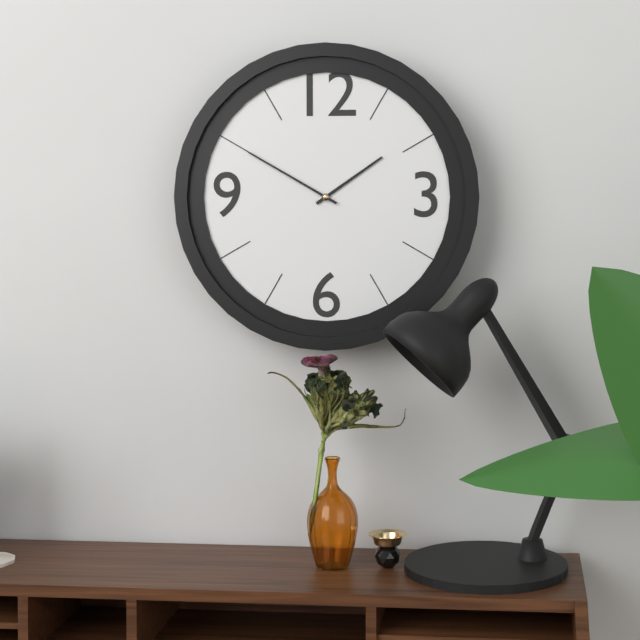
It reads 1h50
